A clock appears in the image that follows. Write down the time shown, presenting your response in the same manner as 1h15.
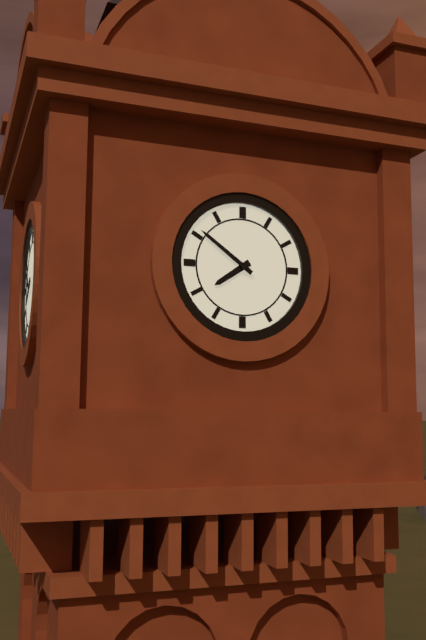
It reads 7h51
